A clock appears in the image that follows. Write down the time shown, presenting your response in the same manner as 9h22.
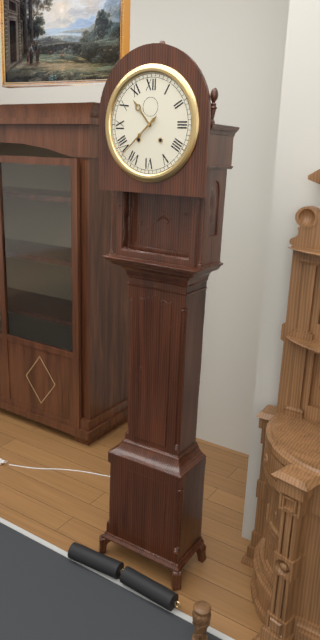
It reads 10h38
